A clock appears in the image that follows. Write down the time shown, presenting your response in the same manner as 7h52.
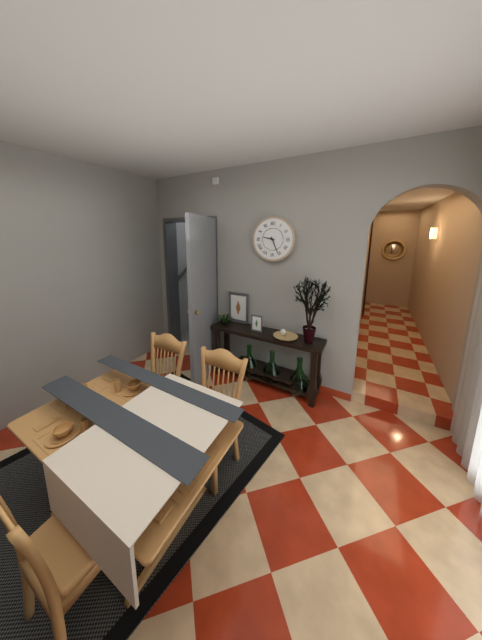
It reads 9h26
